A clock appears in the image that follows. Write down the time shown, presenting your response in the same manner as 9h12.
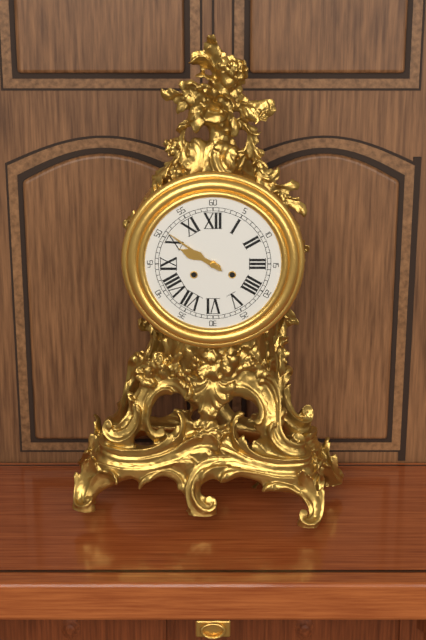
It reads 9h51
